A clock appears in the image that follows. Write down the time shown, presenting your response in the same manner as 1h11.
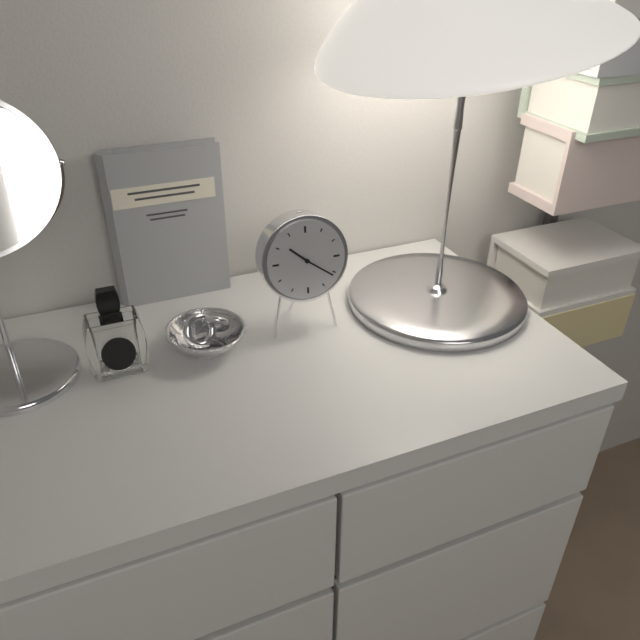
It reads 10h21
